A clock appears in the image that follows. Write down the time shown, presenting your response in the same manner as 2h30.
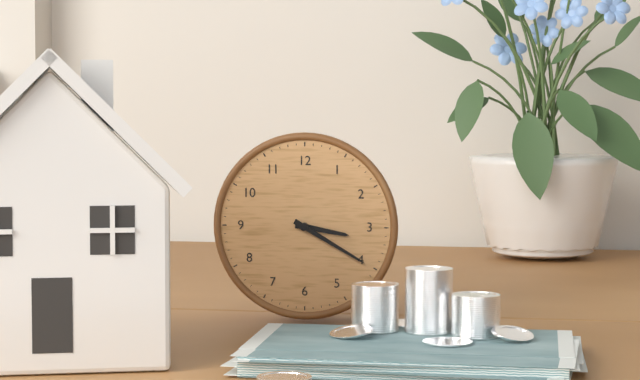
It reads 3h20
